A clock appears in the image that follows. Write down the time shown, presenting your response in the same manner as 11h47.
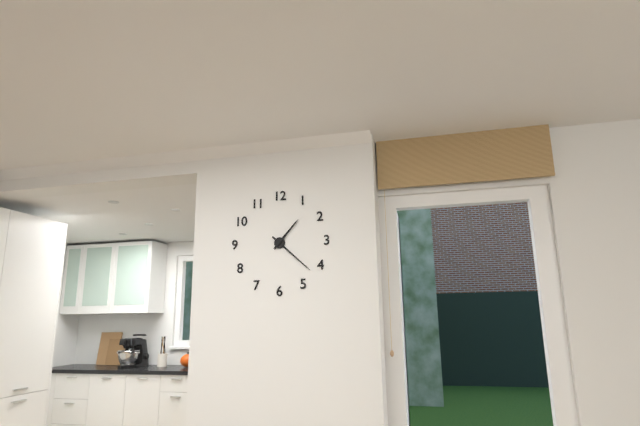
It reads 1h22
